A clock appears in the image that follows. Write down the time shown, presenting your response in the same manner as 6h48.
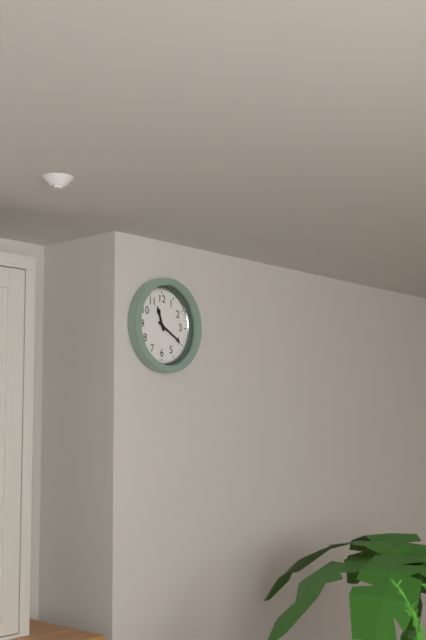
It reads 11h20
